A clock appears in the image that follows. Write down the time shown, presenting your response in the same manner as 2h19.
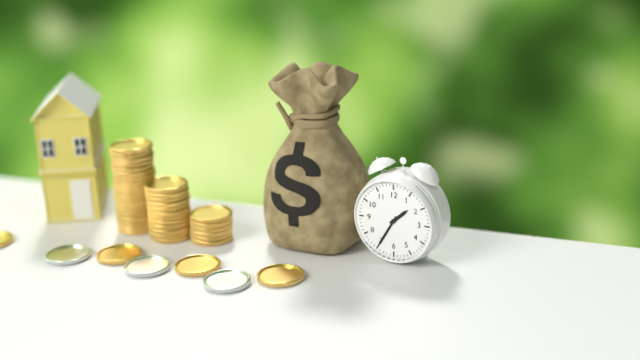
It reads 1h35
